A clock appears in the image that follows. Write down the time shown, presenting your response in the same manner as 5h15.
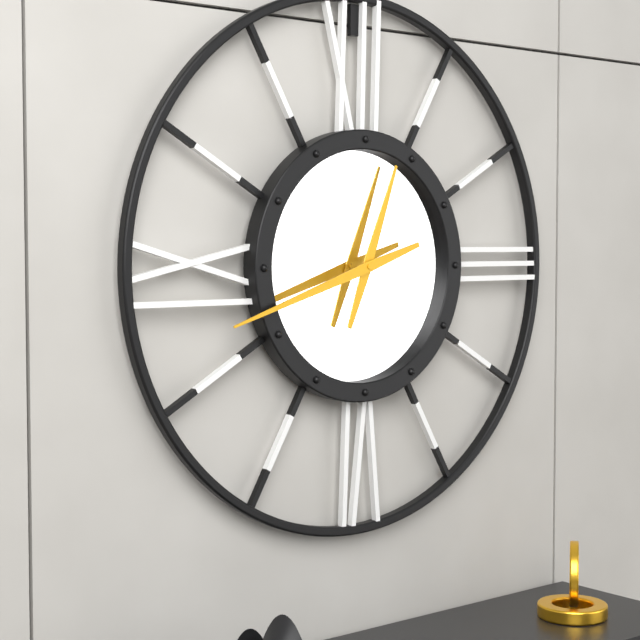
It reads 12h42
